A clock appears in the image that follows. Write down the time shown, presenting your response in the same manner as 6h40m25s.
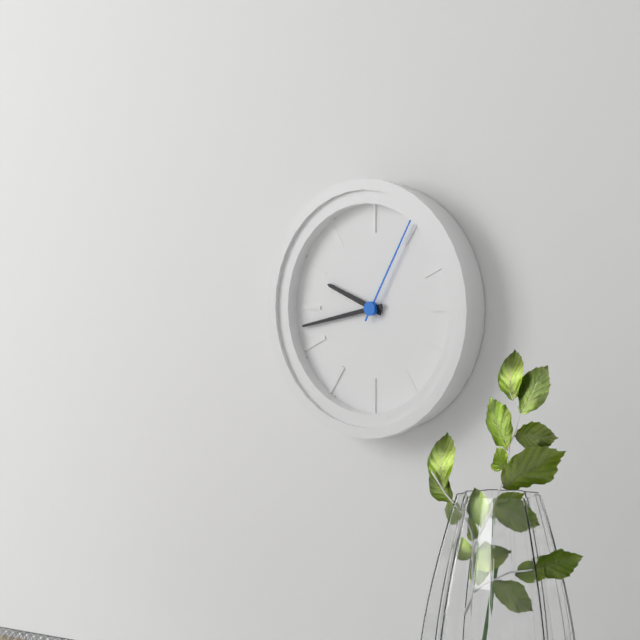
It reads 9h43m05s
